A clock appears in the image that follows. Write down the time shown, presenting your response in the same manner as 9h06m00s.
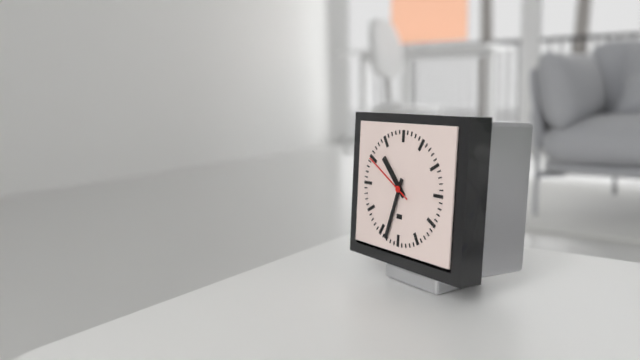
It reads 10h33m50s
